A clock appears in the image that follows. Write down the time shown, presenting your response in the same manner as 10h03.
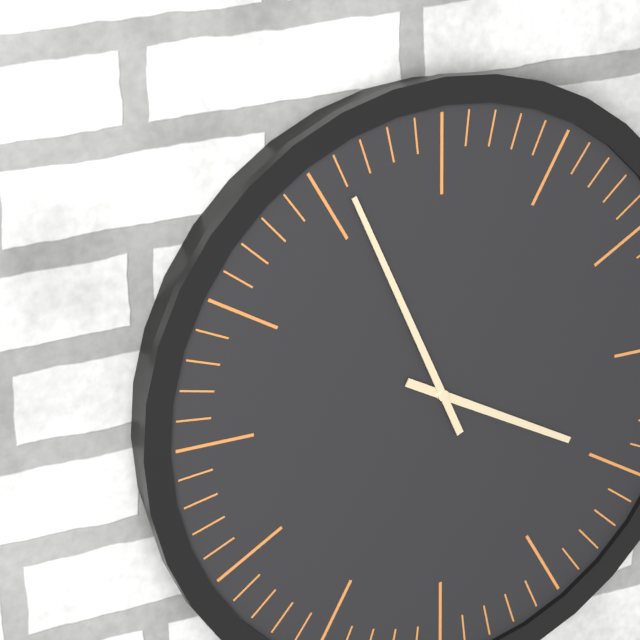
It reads 3h56
